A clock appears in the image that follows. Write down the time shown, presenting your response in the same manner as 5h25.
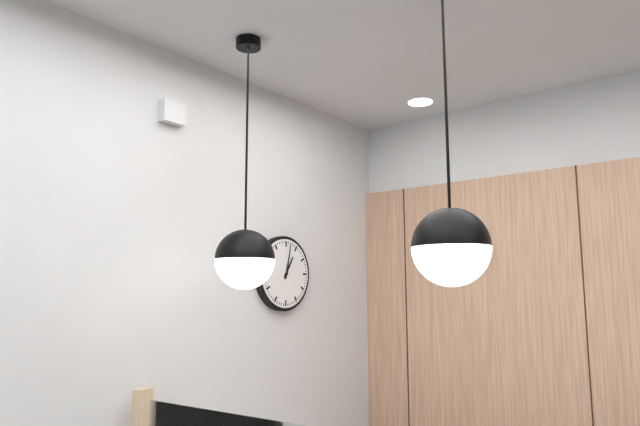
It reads 1h02
